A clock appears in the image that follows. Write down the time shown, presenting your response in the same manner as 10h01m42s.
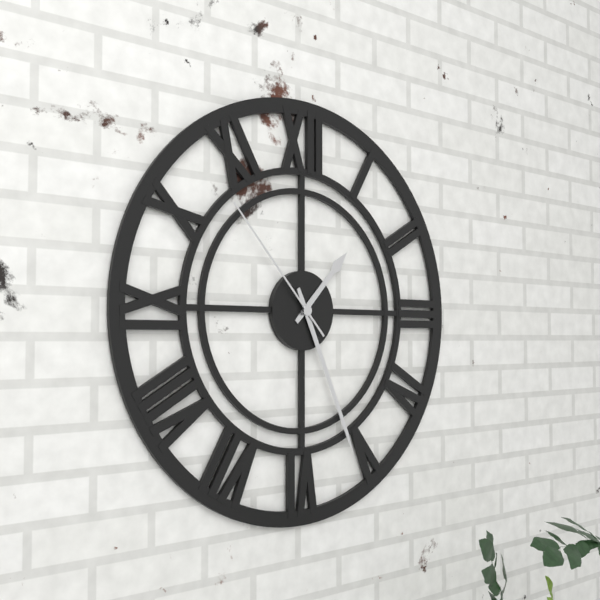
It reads 1h26m53s
